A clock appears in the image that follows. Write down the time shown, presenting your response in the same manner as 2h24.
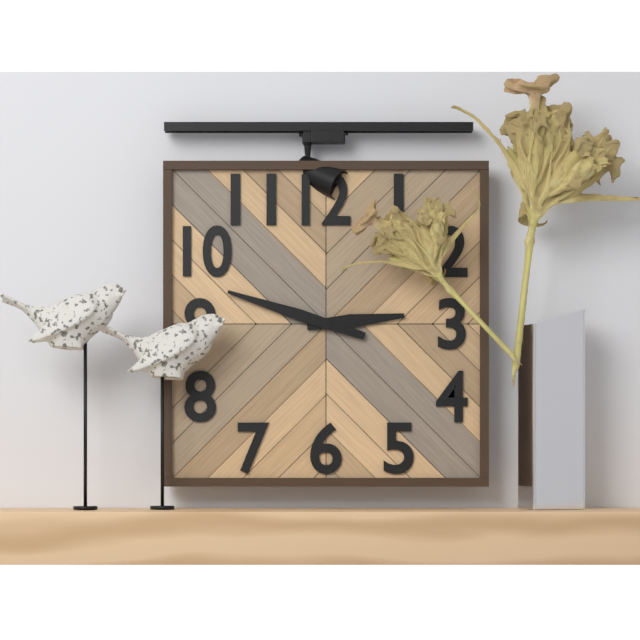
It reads 2h48
